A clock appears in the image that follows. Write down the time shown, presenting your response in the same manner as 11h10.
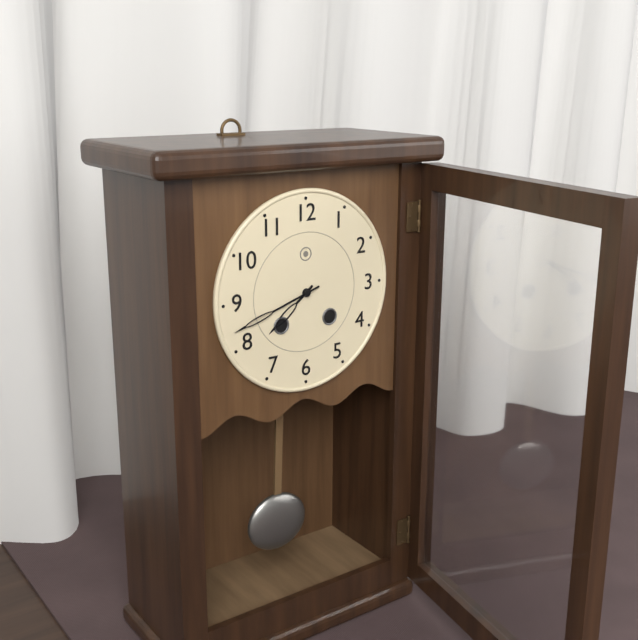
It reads 7h42
